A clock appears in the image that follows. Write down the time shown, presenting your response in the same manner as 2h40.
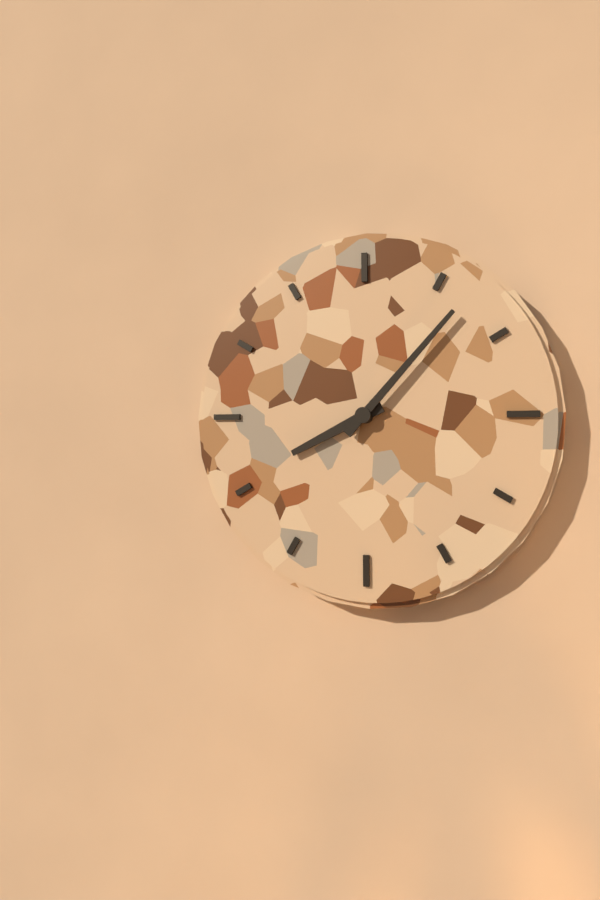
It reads 8h07
